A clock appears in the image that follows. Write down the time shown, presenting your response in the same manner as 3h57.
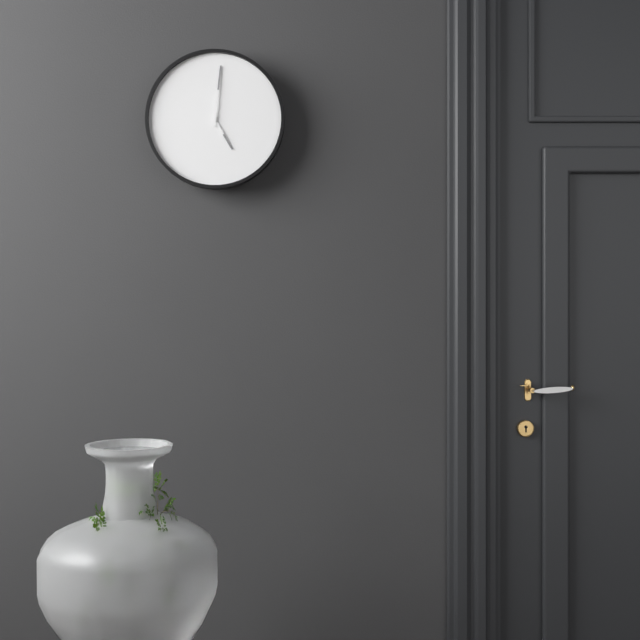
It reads 5h01
